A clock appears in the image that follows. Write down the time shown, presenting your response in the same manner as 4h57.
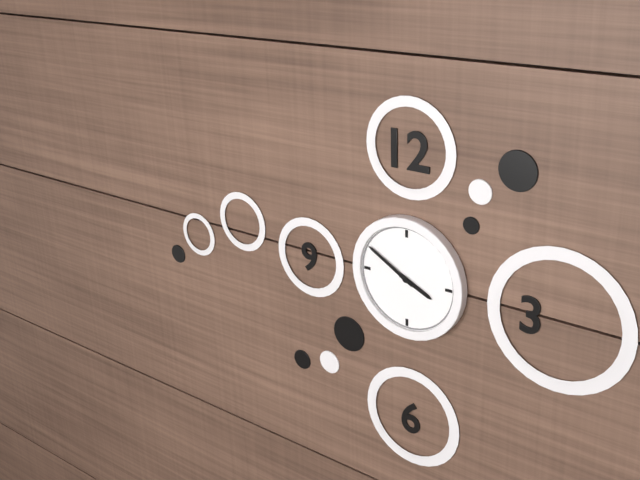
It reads 3h50
